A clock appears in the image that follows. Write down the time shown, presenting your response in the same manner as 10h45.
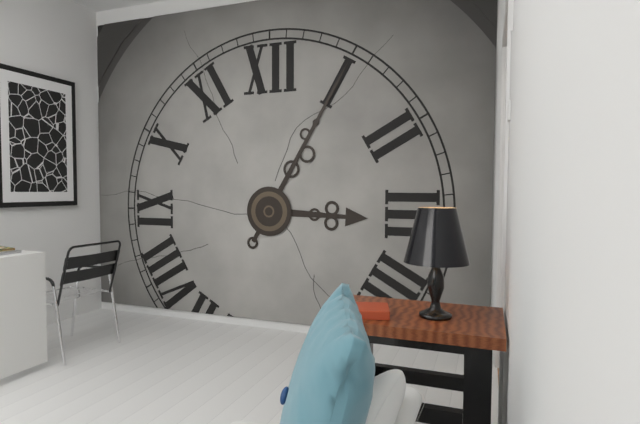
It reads 3h05
